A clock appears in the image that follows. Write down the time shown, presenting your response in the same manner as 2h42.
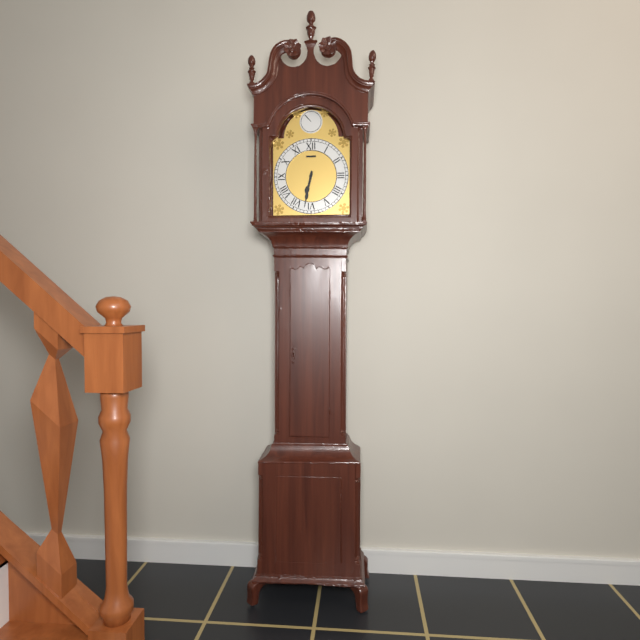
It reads 6h32
